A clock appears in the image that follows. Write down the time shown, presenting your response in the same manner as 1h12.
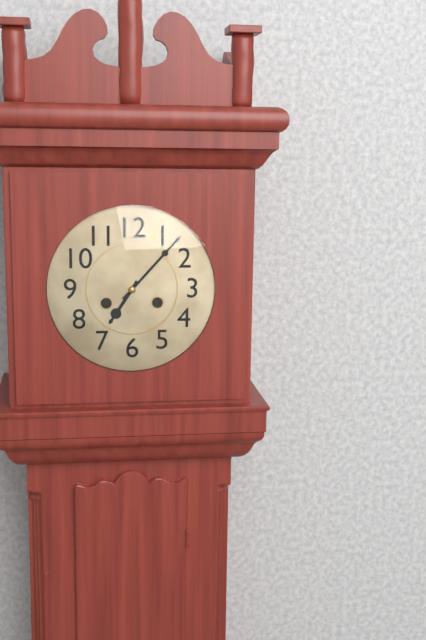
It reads 7h07
